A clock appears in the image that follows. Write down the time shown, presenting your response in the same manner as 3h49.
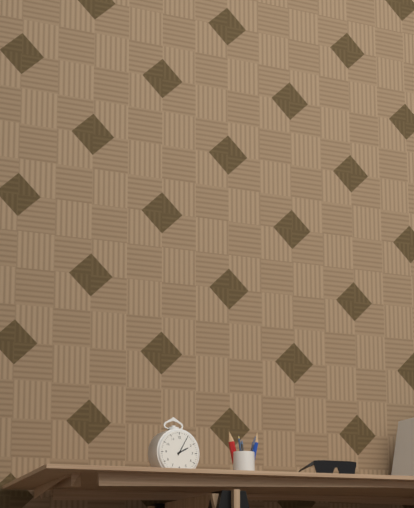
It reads 2h05
